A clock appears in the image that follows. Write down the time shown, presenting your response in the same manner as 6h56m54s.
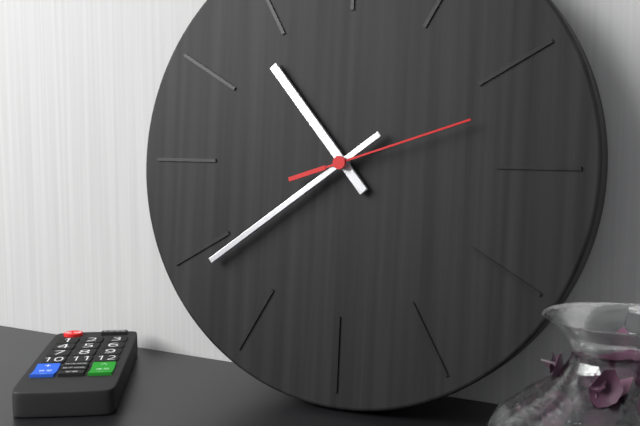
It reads 10h39m12s
